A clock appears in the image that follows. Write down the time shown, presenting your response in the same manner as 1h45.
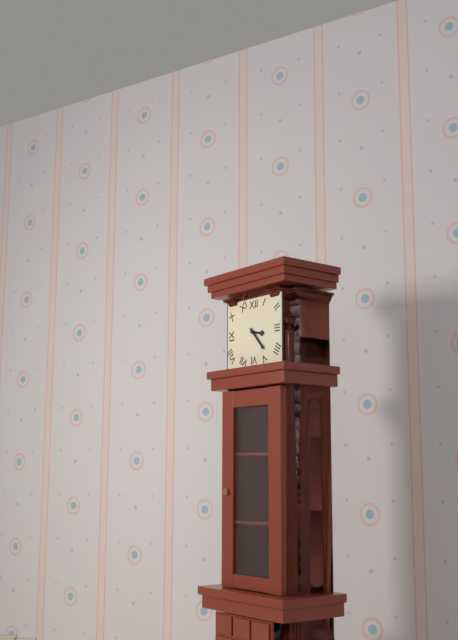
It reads 3h23
